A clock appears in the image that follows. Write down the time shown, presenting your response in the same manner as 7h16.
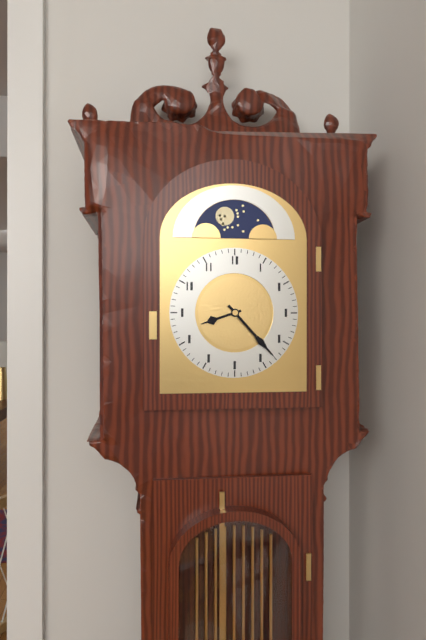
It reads 8h23
